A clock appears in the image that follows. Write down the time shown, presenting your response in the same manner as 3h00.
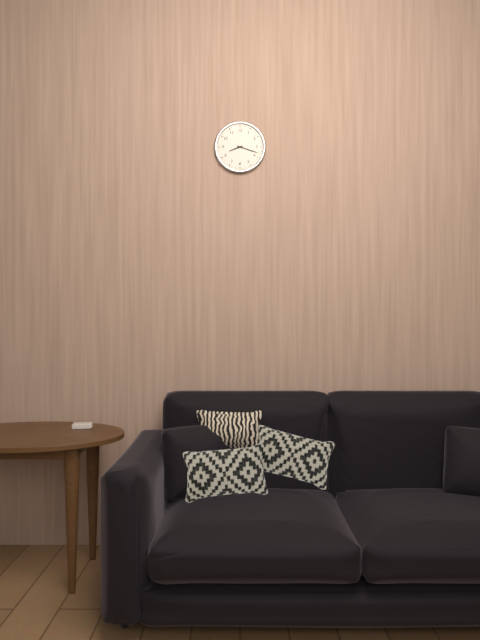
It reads 8h18
